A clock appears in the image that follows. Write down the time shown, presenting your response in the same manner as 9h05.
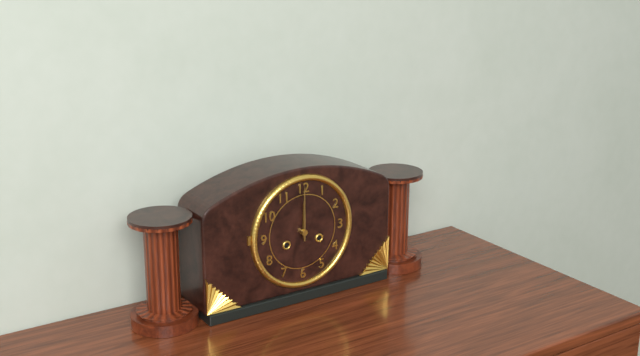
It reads 12h00
